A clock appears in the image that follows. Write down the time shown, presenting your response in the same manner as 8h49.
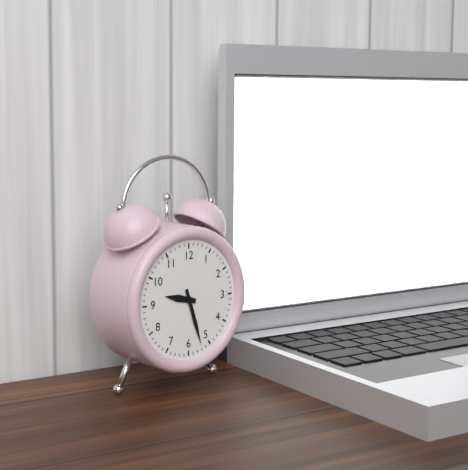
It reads 9h27
